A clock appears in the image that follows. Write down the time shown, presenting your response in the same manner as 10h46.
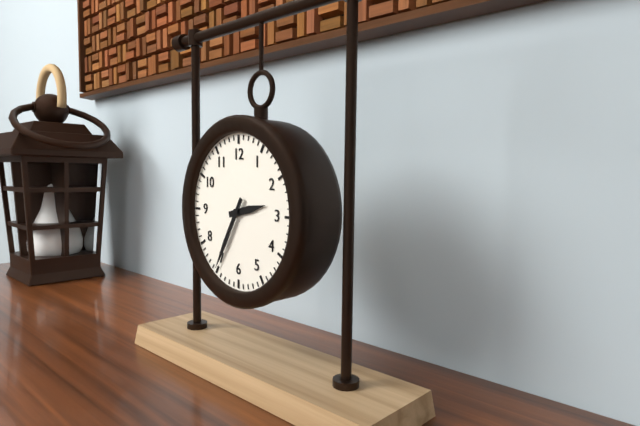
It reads 2h35
